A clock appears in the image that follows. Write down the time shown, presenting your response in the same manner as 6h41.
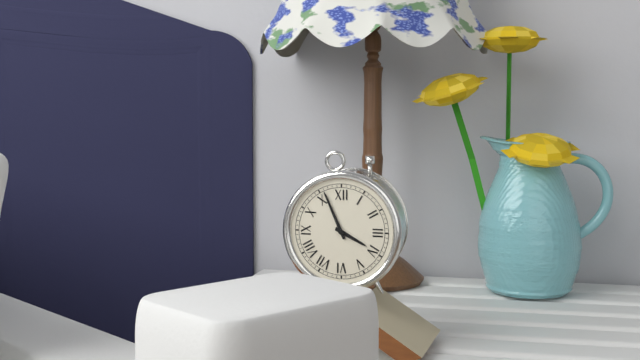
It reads 3h56
